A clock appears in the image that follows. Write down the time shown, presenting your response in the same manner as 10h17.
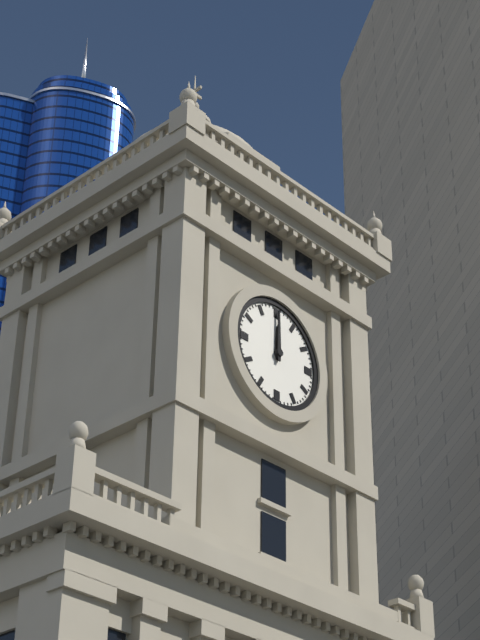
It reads 12h00
